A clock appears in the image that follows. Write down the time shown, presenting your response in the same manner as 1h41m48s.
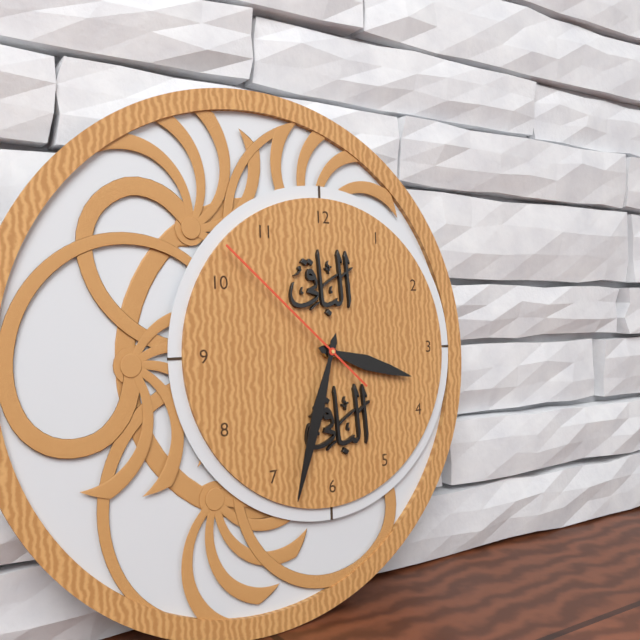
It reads 3h33m52s
